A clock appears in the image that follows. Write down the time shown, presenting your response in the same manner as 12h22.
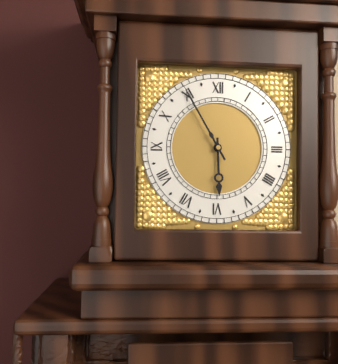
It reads 5h55
